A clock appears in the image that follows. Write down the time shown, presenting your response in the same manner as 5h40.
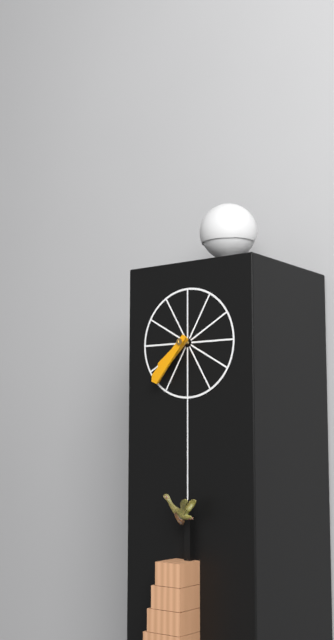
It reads 7h37
